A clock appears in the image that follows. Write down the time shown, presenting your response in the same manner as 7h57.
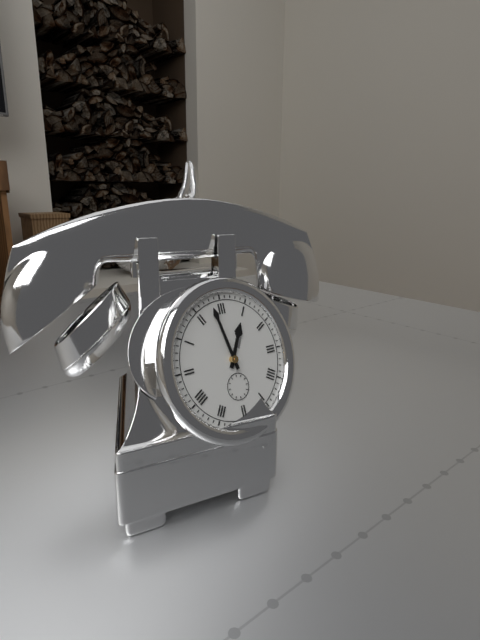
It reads 12h58
